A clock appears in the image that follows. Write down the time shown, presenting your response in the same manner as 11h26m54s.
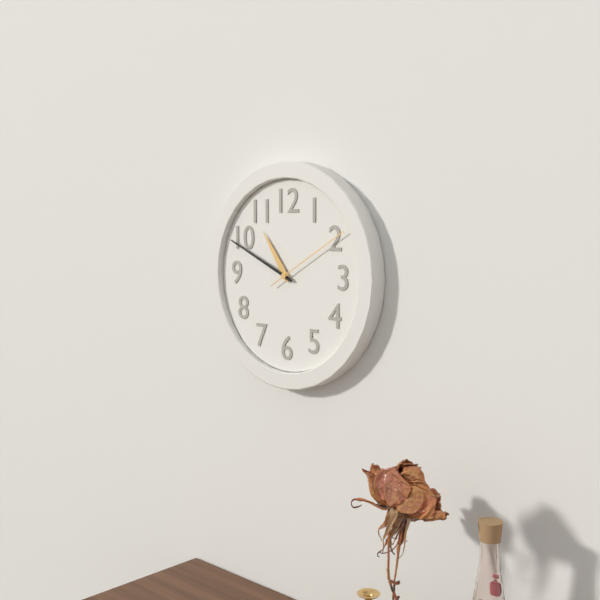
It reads 10h49m10s
